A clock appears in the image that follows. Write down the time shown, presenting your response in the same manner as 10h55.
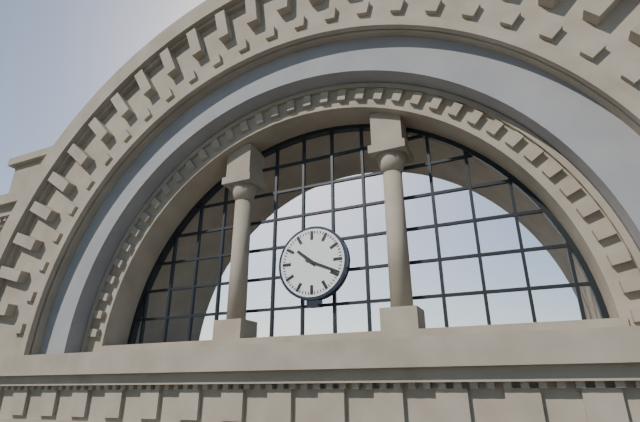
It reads 10h19
